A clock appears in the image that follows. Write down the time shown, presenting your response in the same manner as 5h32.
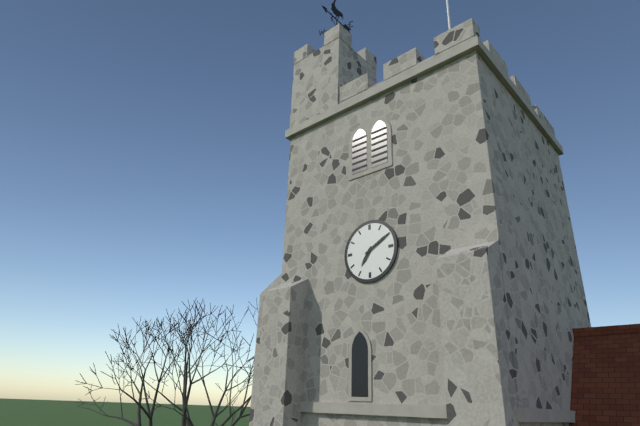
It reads 7h10
